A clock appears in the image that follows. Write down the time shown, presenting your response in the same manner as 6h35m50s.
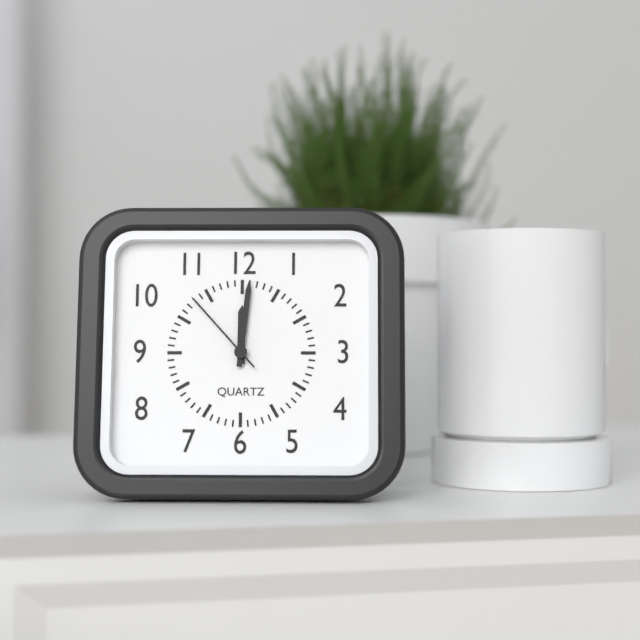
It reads 12h01m53s
